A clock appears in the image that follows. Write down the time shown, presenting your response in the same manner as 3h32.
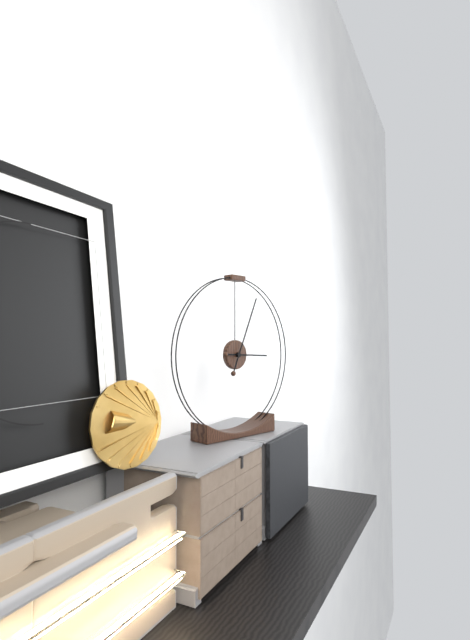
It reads 3h04
